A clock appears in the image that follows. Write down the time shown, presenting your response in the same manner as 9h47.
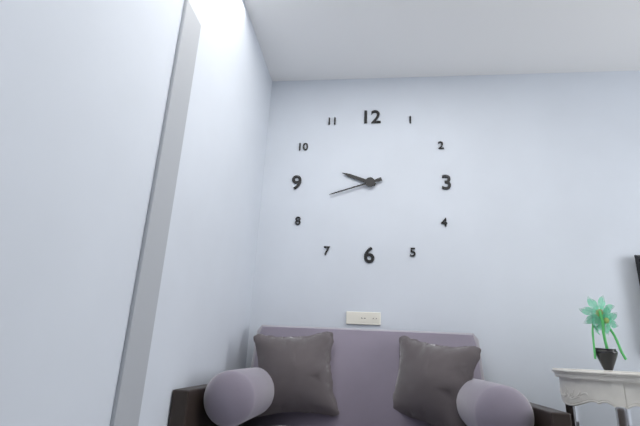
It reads 9h42
